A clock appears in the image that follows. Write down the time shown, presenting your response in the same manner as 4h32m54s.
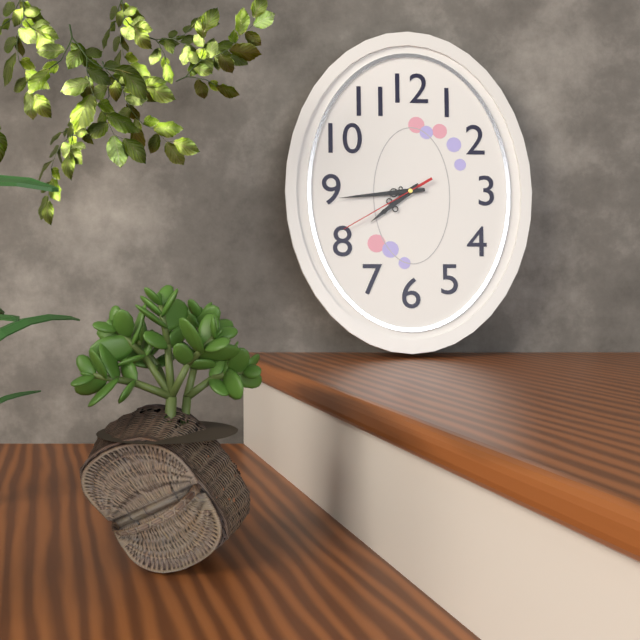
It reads 7h44m40s
